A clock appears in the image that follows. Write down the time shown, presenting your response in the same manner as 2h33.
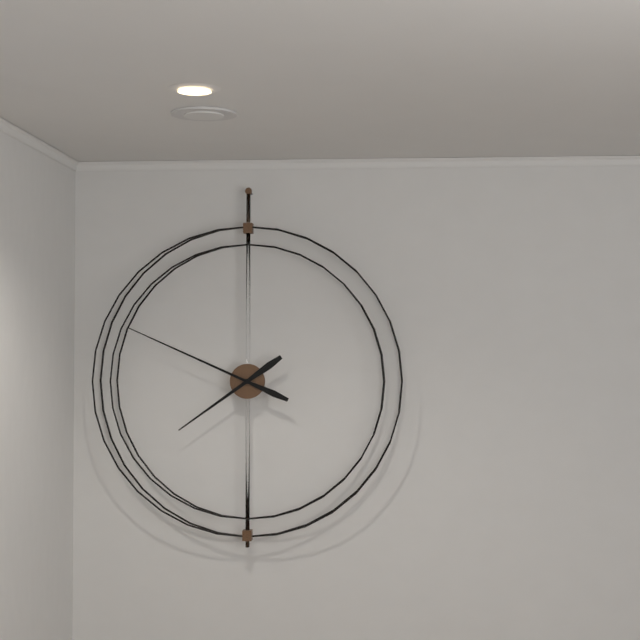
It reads 7h49
